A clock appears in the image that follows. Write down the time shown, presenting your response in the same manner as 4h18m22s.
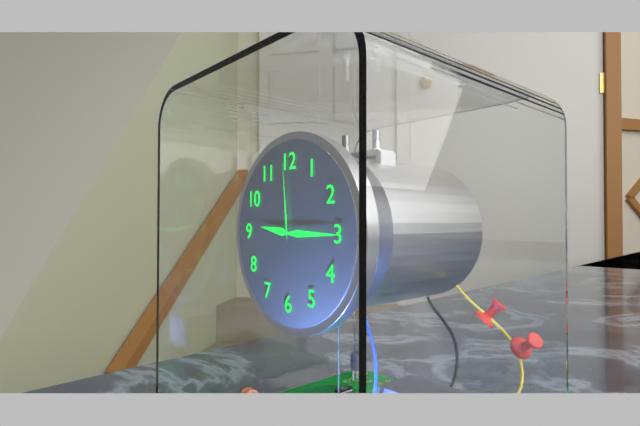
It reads 9h15m59s
